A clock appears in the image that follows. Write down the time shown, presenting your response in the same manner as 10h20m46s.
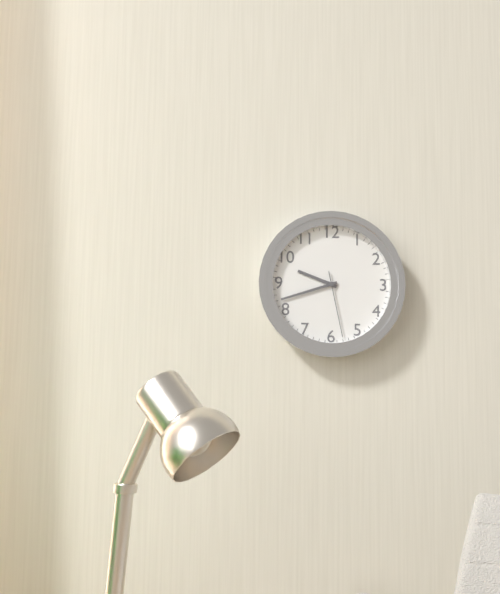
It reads 9h42m28s
